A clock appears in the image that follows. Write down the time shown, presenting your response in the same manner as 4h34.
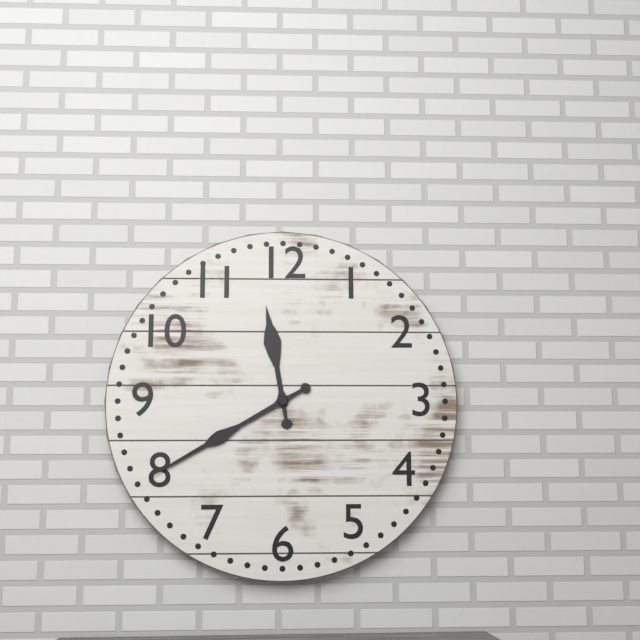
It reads 11h40
